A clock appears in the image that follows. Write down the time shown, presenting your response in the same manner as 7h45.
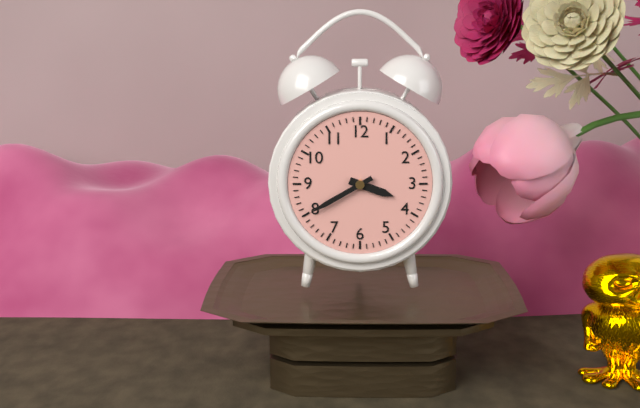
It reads 3h40
